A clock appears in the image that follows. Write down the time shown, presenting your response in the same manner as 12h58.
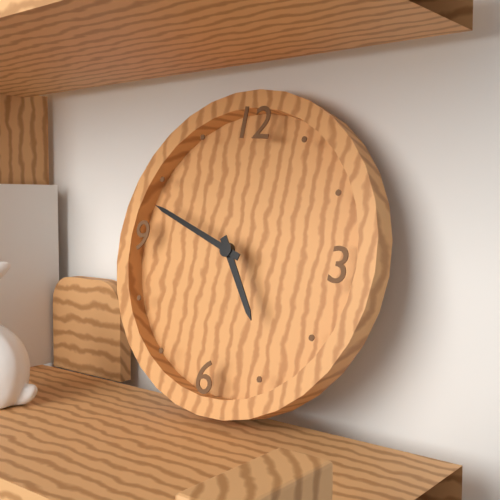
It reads 4h48
